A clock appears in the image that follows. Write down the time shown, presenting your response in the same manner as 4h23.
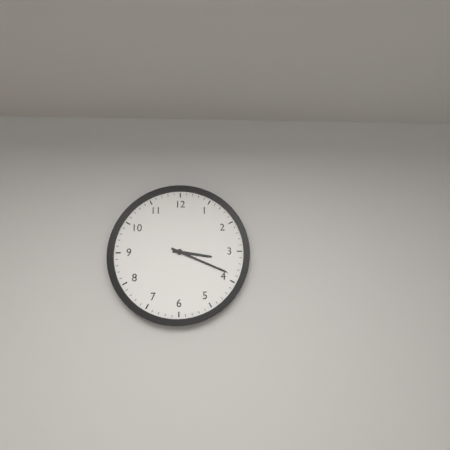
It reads 3h19
